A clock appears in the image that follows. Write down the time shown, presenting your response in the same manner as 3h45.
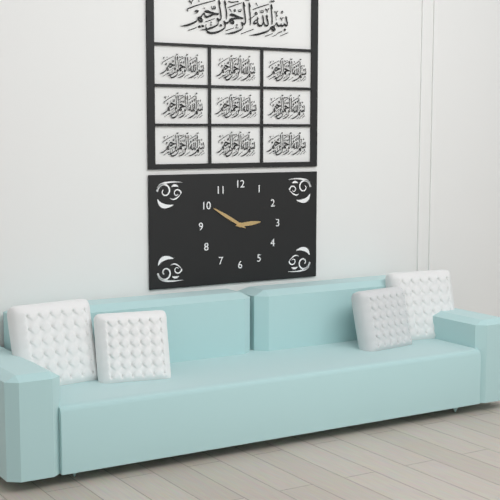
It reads 2h50
